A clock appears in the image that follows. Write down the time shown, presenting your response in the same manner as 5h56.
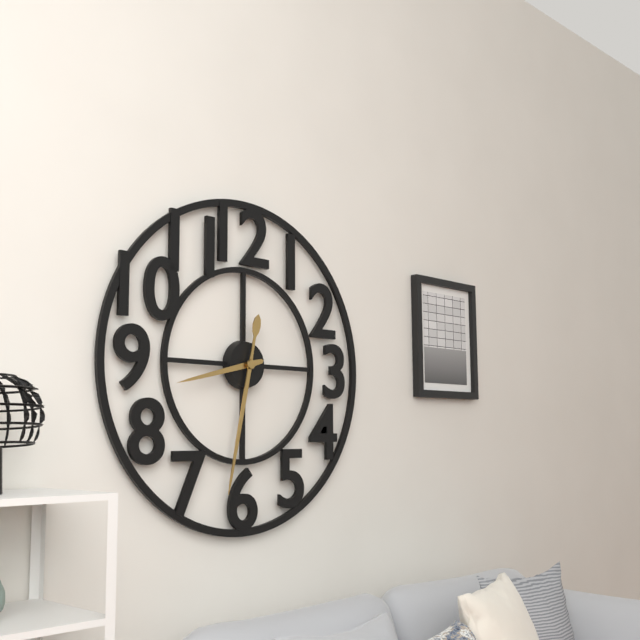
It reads 8h32
